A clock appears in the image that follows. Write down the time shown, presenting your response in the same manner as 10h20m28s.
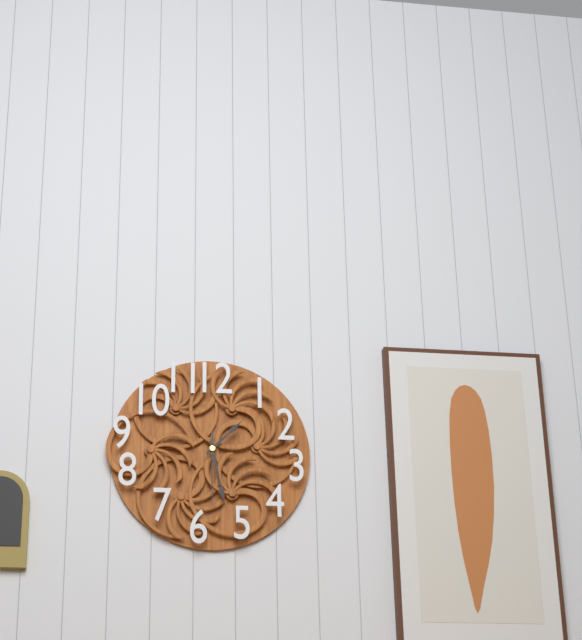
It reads 1h28m30s
